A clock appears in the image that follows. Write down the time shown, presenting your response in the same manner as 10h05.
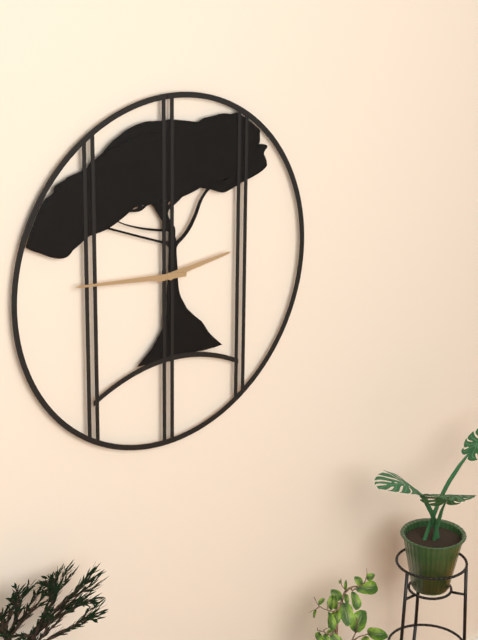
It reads 2h46
